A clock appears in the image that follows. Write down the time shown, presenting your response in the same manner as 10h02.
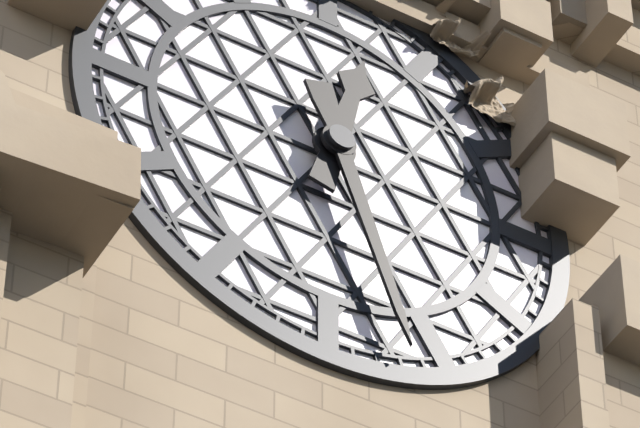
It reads 12h27
